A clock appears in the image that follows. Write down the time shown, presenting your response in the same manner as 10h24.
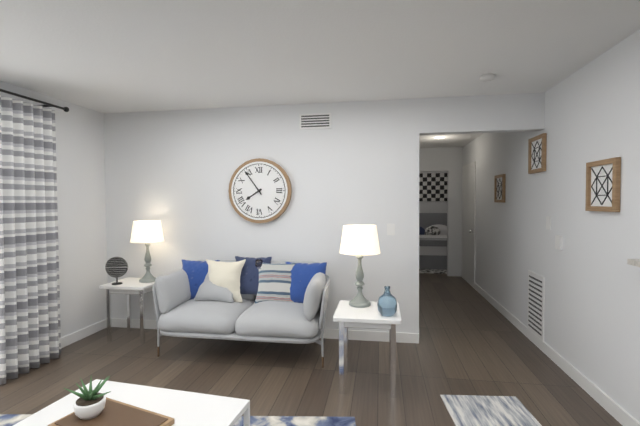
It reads 7h54
